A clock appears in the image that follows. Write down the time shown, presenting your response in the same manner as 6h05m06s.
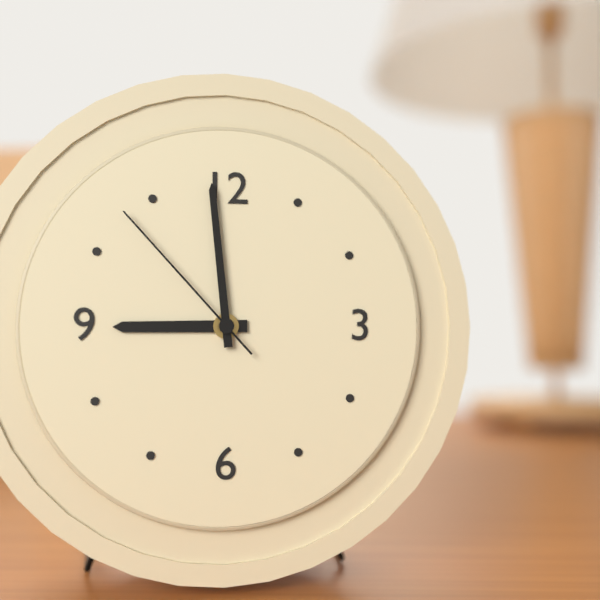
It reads 8h59m53s
